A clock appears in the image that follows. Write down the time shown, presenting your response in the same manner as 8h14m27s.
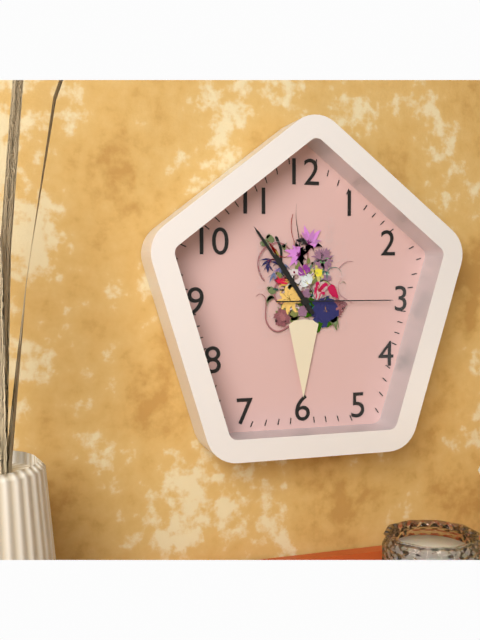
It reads 10h54m15s
